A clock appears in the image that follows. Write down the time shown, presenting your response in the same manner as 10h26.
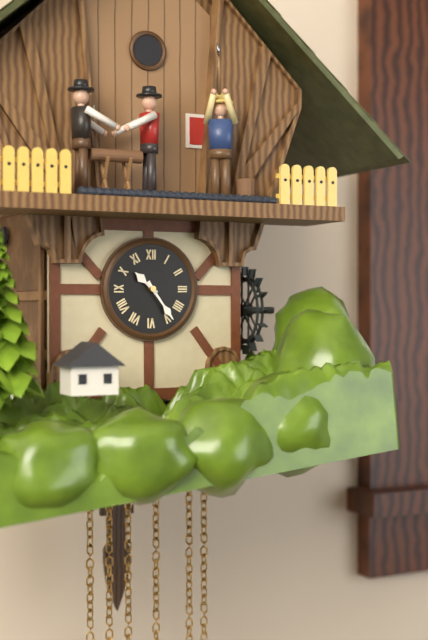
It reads 10h24
